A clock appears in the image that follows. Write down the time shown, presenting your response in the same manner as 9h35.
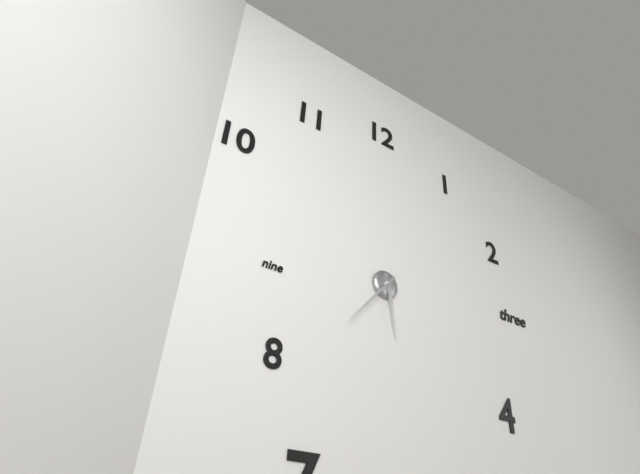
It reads 5h37
